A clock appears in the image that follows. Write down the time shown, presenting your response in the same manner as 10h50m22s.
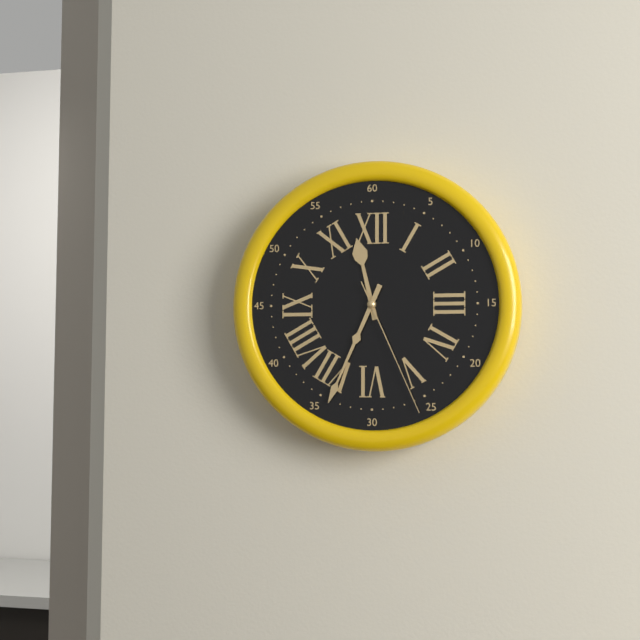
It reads 11h34m26s
